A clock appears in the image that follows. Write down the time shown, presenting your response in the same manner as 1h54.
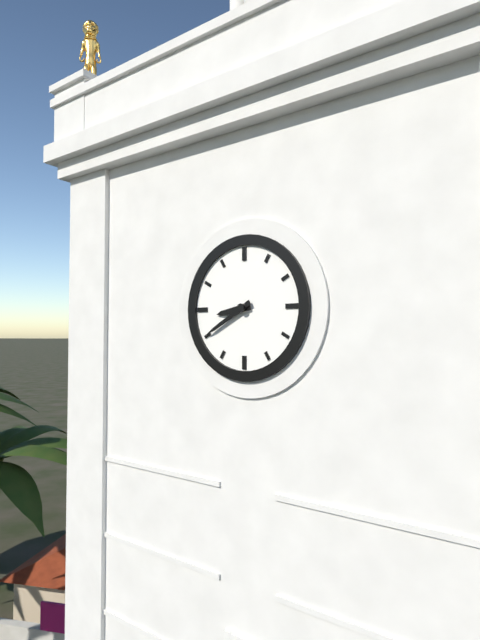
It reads 8h40
